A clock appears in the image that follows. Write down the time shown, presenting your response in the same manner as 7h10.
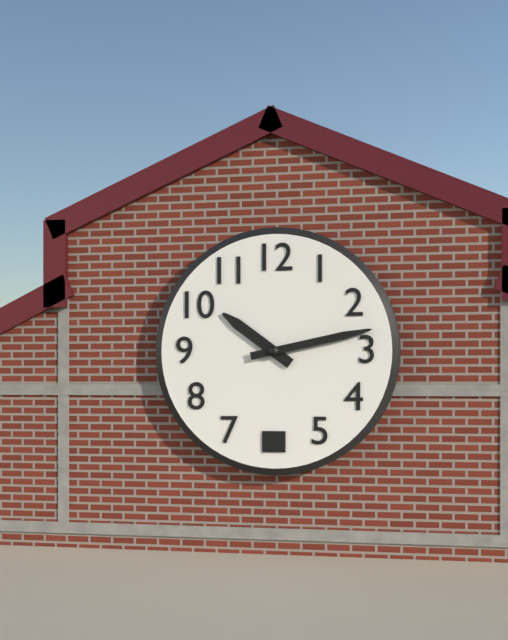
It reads 10h13
